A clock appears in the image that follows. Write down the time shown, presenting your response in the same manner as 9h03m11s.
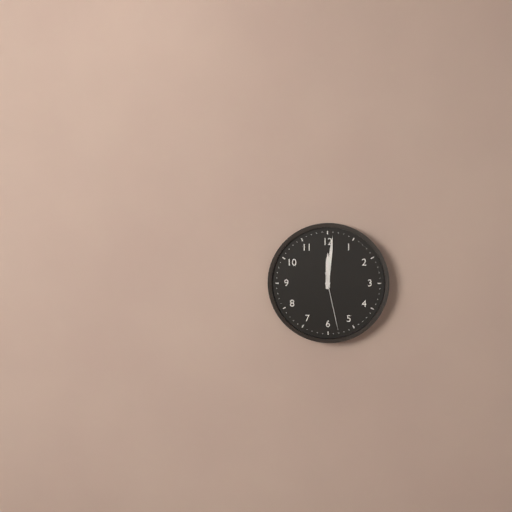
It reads 12h01m28s
